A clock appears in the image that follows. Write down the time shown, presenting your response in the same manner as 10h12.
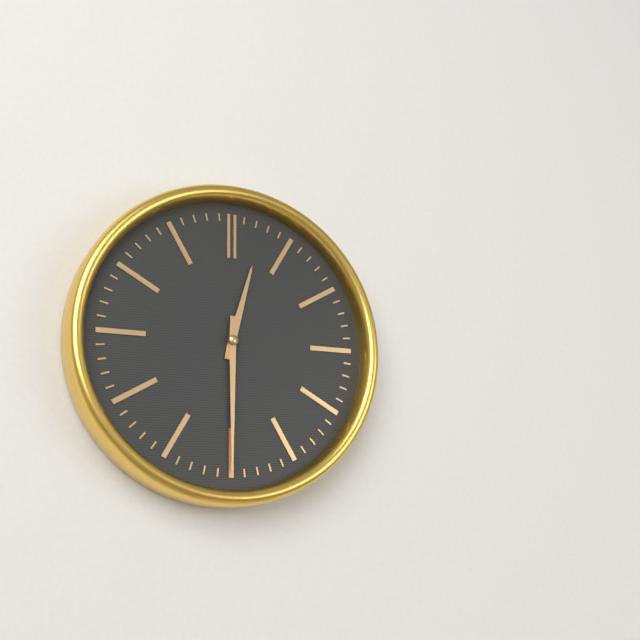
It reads 12h30
